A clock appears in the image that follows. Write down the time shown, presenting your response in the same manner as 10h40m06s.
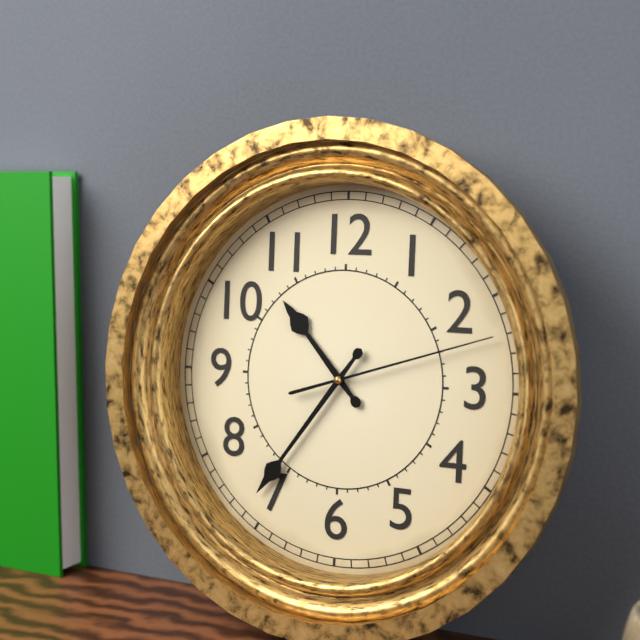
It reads 10h36m12s
